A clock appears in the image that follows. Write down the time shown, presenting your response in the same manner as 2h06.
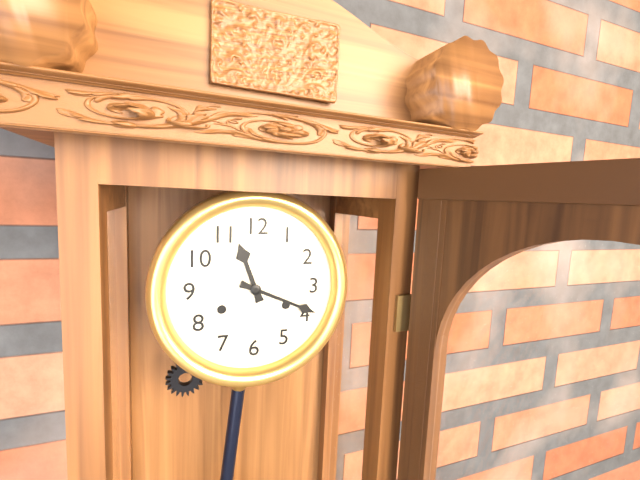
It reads 11h19
